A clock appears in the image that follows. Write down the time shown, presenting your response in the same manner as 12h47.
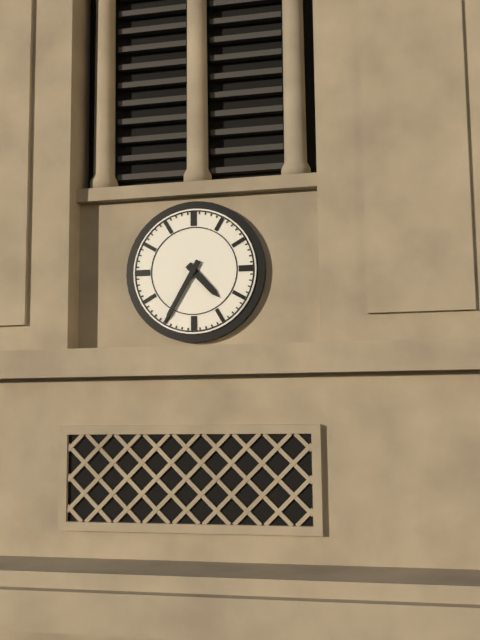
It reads 4h35
